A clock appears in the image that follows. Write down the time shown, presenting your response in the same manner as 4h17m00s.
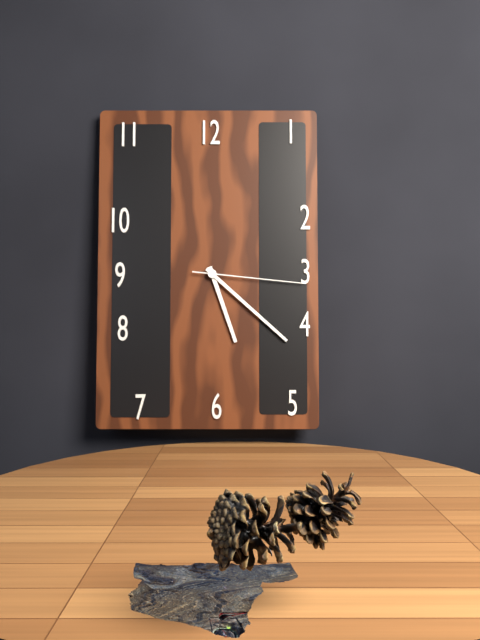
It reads 5h22m16s
